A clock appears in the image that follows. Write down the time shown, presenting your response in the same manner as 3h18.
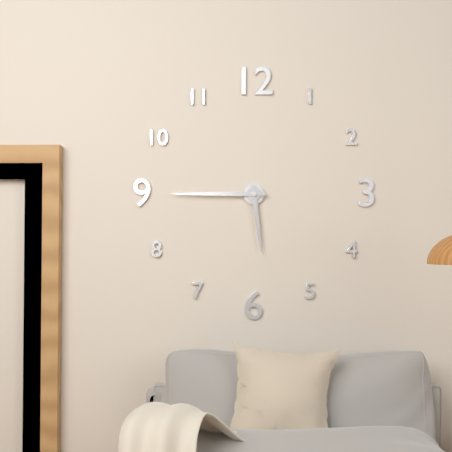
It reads 5h45
